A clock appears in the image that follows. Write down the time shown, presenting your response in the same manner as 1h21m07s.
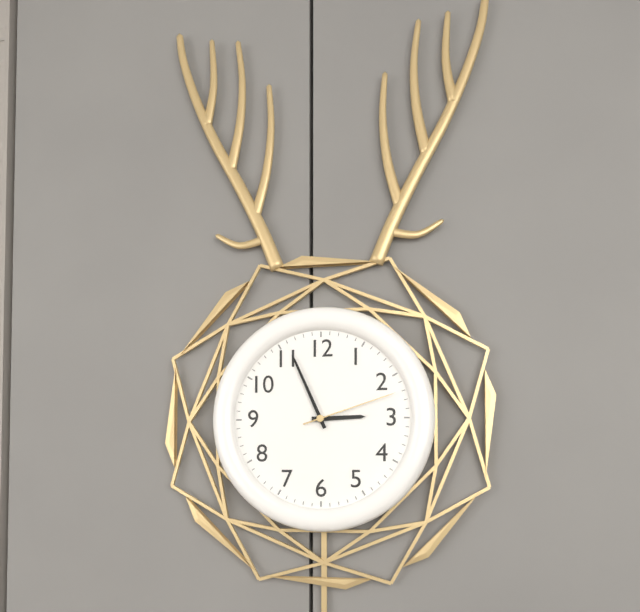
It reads 2h56m12s
